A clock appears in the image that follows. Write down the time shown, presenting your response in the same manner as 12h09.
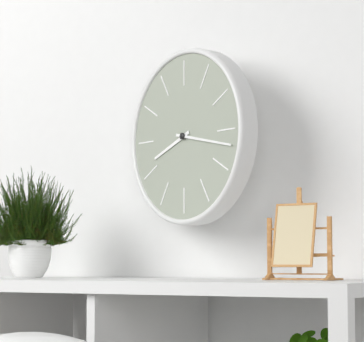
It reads 8h17
